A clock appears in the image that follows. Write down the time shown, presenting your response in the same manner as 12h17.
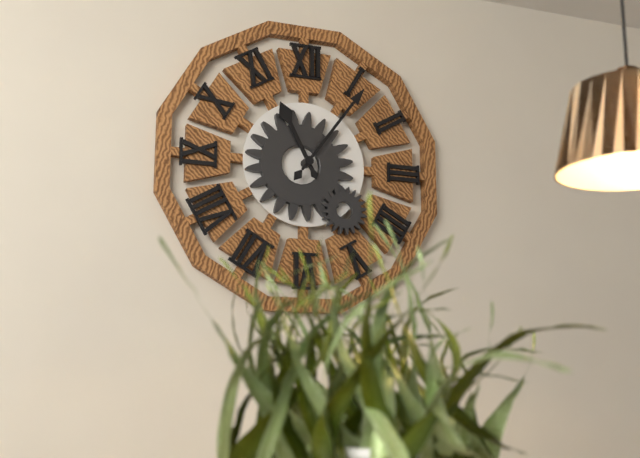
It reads 11h06
